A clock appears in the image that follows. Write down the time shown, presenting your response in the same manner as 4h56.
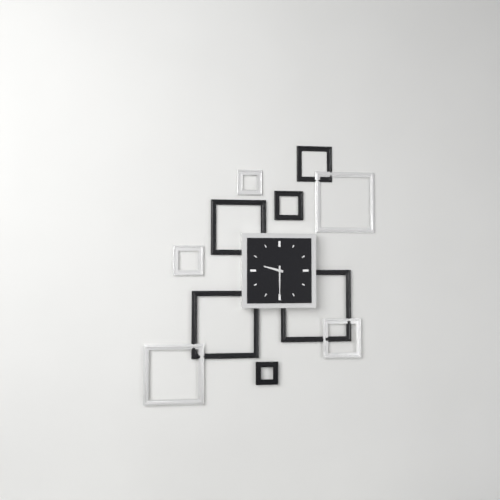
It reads 9h30
